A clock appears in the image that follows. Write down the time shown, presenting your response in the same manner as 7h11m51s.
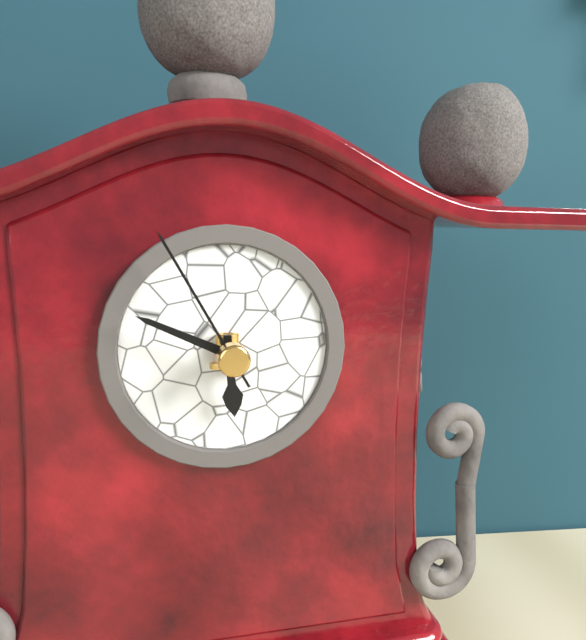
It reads 5h49m55s
